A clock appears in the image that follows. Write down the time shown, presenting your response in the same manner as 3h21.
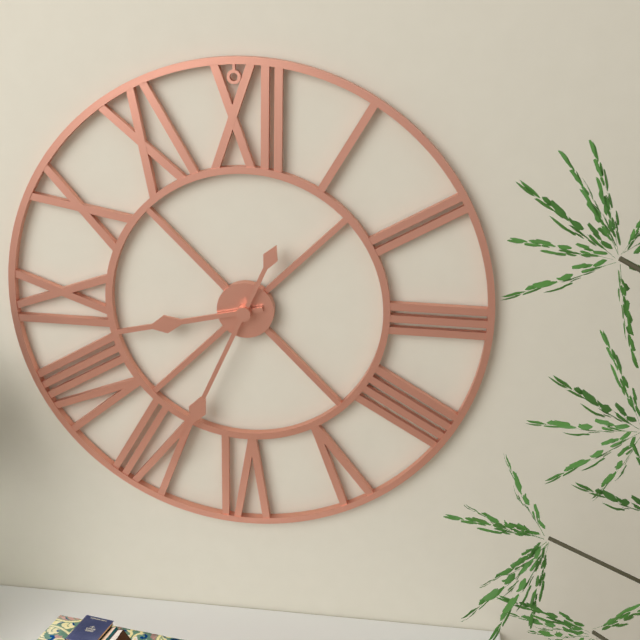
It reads 8h34
